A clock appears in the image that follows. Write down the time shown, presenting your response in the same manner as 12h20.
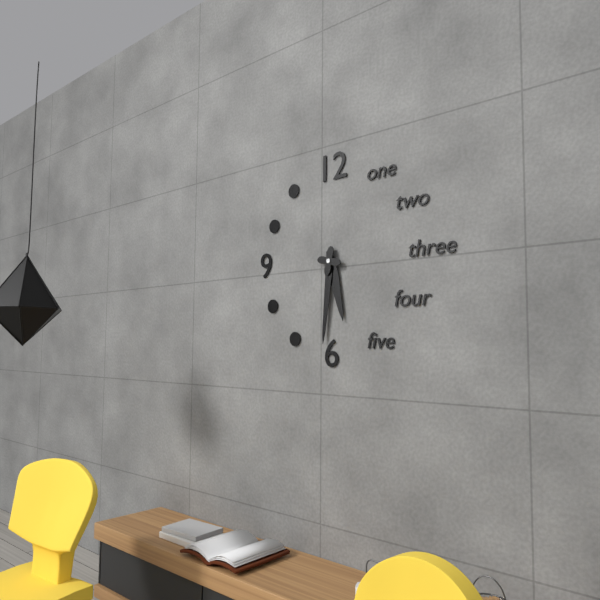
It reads 5h31
